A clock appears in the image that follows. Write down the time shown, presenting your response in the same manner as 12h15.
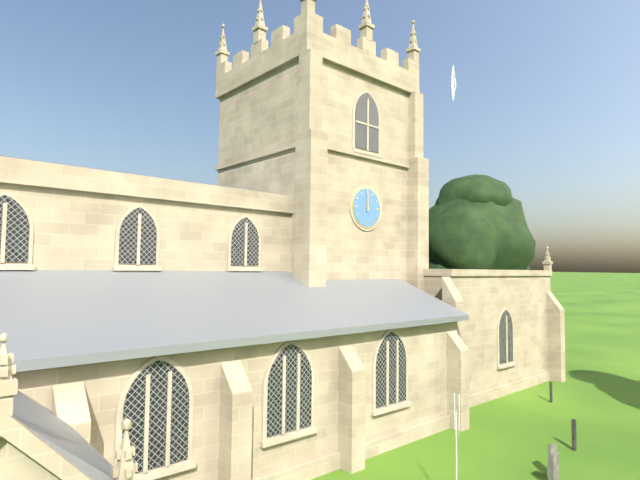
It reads 12h00
